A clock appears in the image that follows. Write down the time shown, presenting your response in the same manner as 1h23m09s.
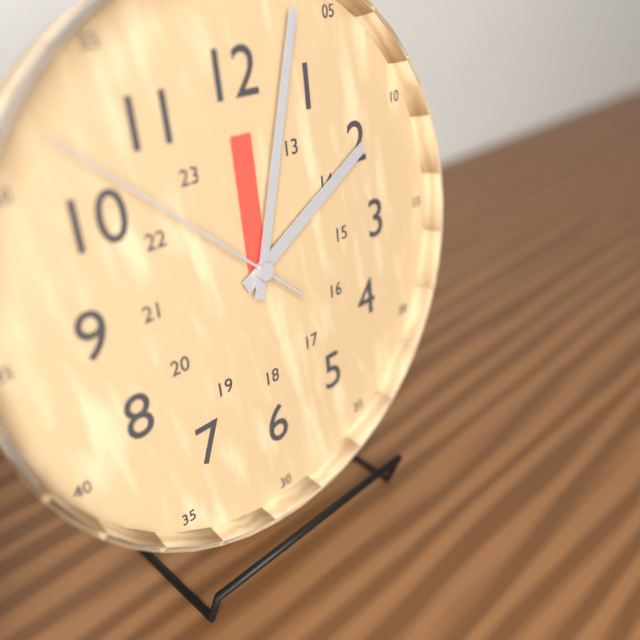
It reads 2h03m52s
